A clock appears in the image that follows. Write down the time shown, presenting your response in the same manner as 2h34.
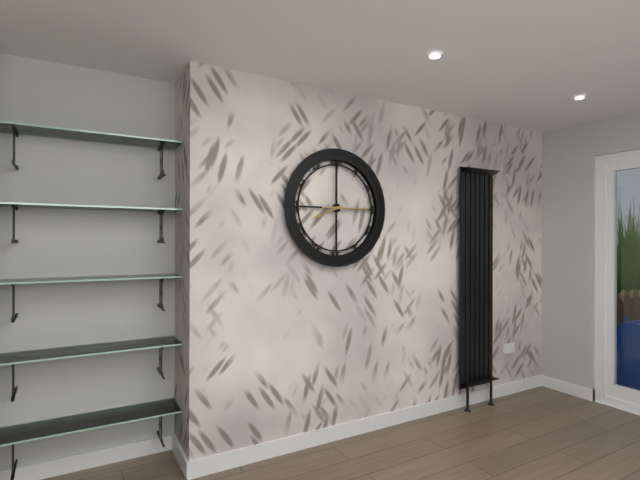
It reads 8h15
